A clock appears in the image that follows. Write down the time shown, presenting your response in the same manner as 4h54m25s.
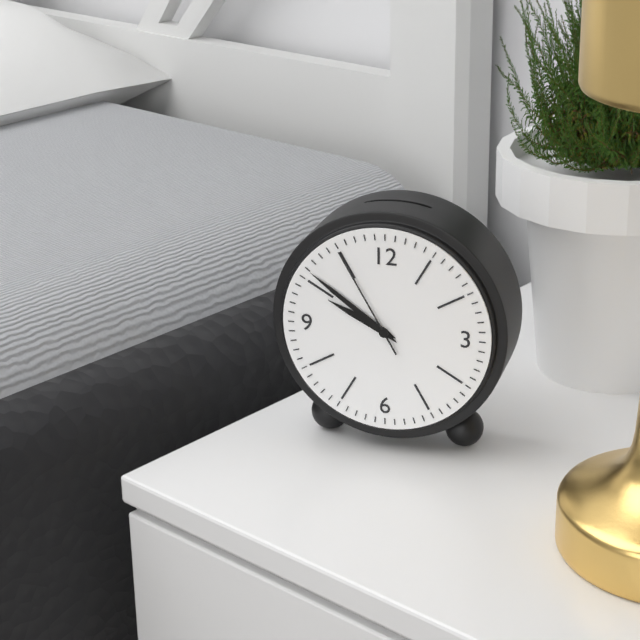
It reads 9h51m55s
